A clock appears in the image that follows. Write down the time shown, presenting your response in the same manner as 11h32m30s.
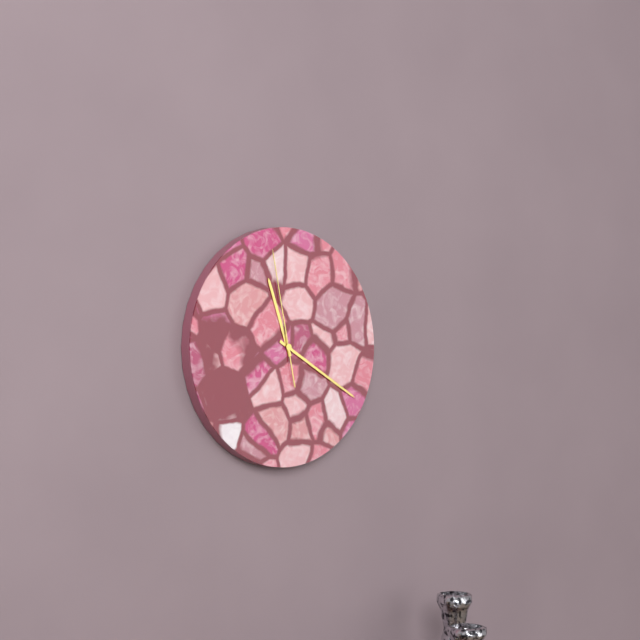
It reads 11h20m58s
